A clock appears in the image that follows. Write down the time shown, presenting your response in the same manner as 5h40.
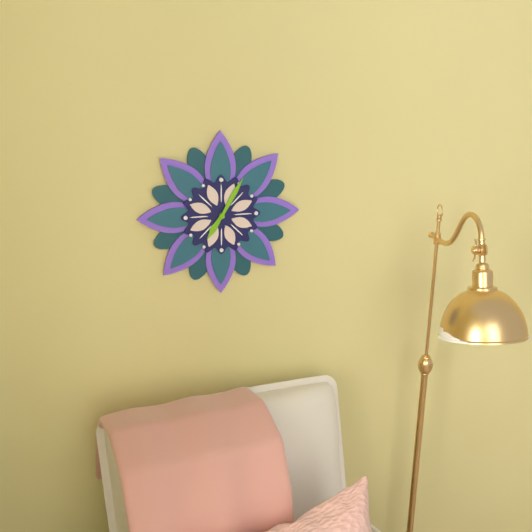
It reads 7h05
